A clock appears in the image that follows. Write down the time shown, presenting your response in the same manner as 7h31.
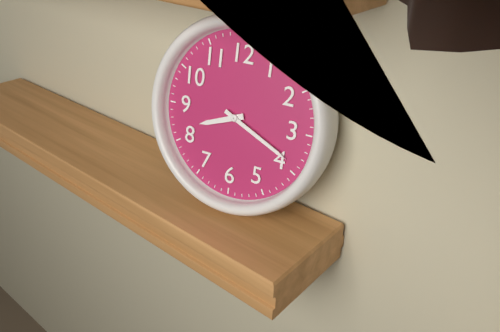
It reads 8h19
